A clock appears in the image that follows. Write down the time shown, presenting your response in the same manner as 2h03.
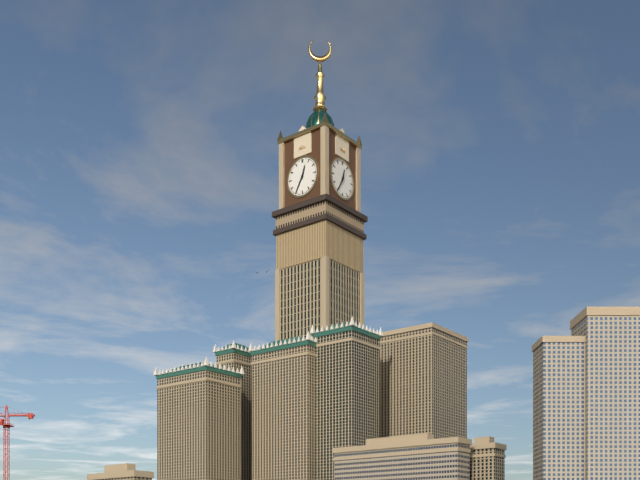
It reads 12h35
